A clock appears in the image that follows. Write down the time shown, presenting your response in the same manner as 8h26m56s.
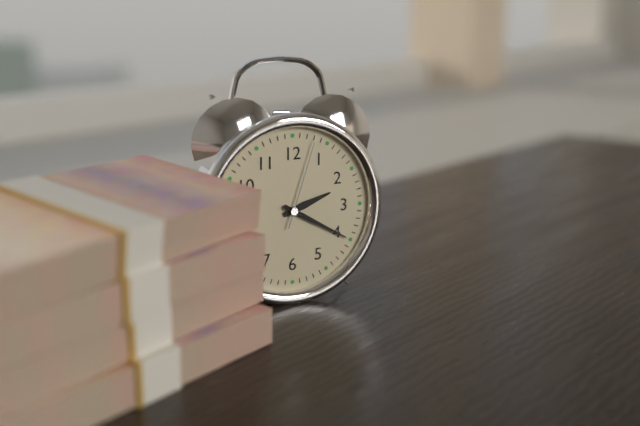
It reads 2h20m03s
